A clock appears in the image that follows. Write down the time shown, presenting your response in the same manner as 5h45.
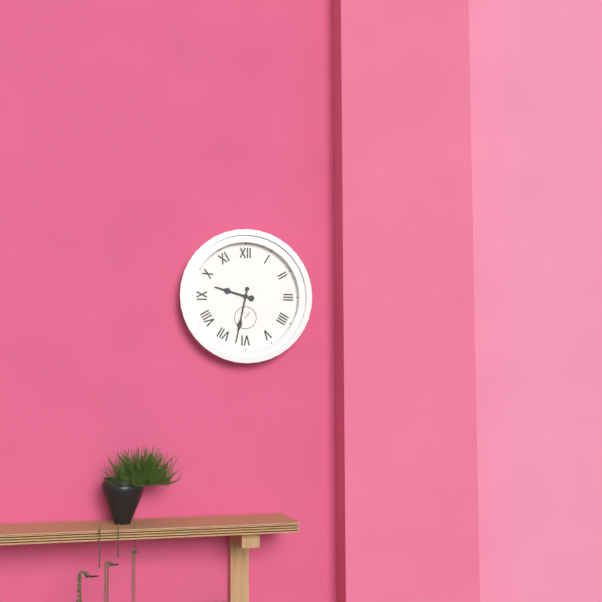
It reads 9h32
